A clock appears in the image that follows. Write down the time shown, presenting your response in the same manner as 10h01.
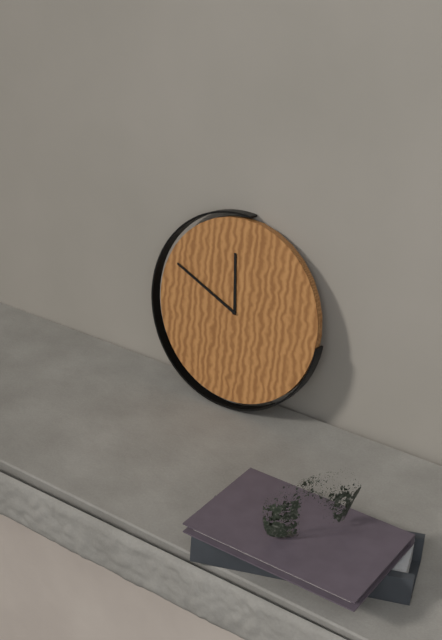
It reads 11h49
